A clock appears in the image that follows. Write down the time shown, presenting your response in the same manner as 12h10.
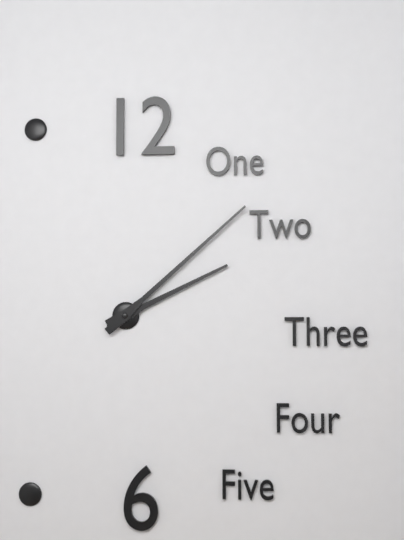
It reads 2h08
